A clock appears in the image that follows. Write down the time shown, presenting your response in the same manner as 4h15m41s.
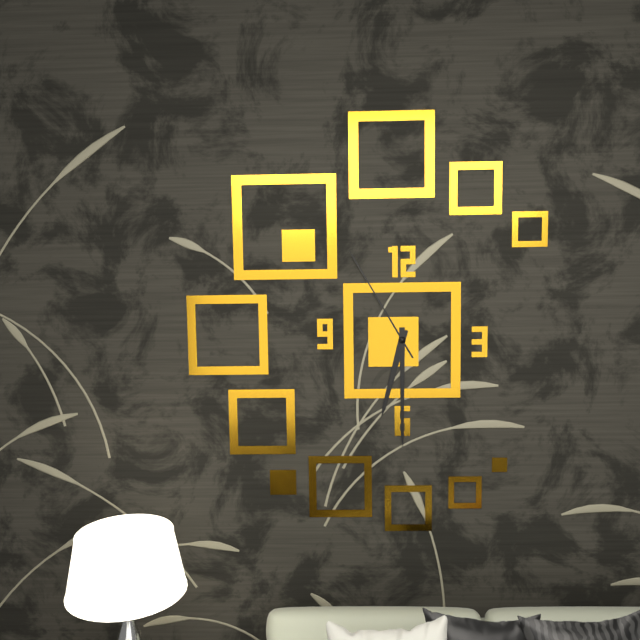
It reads 6h30m55s
